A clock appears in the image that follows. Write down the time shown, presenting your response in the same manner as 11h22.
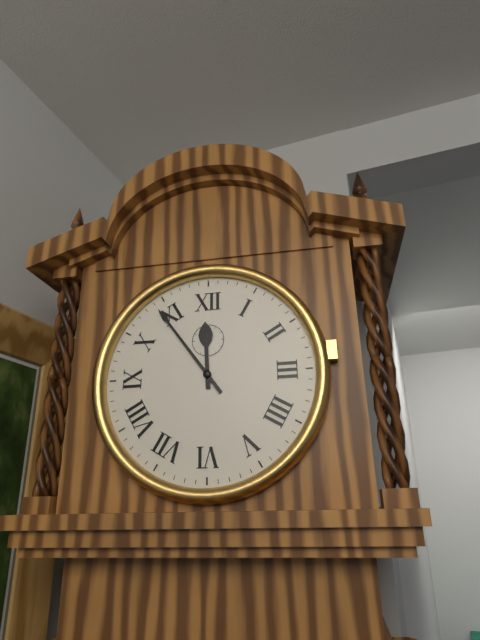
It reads 11h54
